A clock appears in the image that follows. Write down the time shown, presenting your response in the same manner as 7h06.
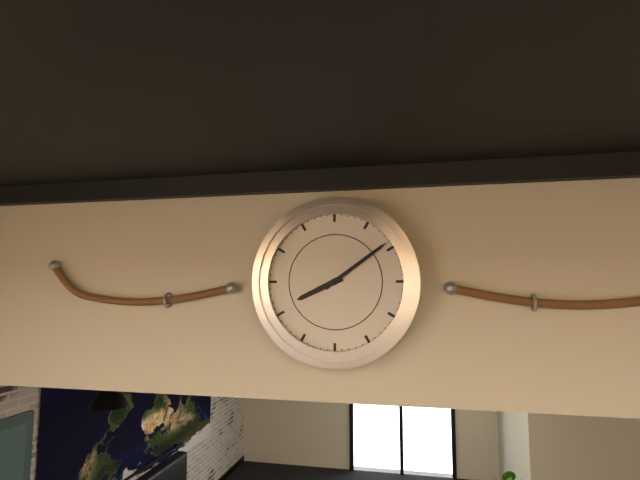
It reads 8h09
